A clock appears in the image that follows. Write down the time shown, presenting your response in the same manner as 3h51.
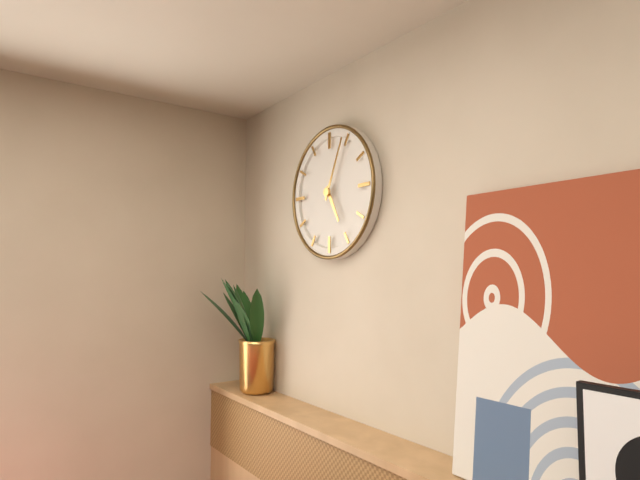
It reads 5h04
